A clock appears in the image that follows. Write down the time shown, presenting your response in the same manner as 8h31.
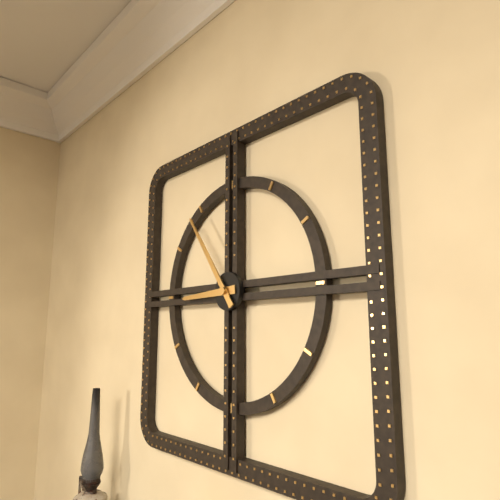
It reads 8h54
